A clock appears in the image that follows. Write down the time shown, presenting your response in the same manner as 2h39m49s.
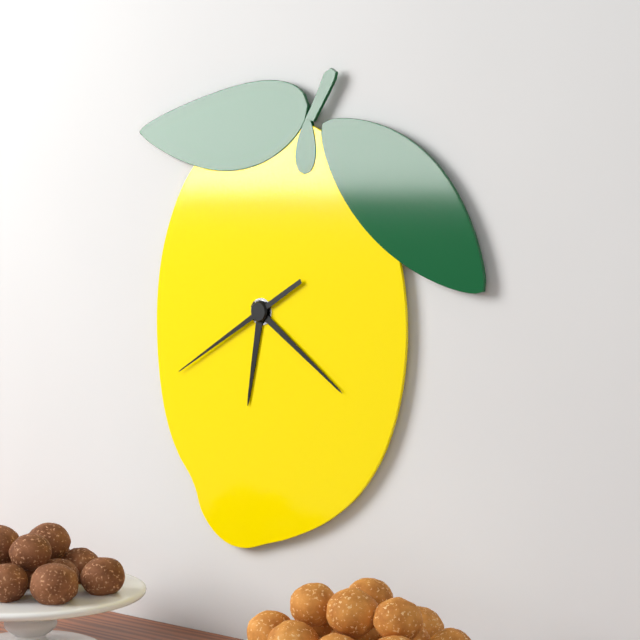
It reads 6h21m40s
